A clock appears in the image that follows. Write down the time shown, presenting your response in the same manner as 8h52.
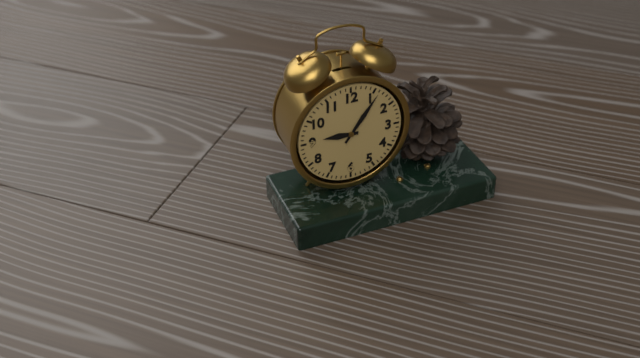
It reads 9h06
